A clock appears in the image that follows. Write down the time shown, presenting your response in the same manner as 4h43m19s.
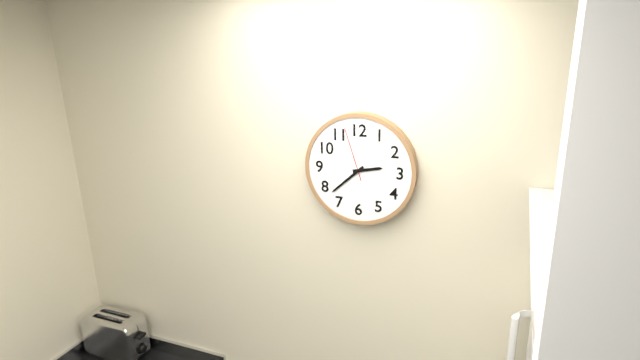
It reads 2h38m57s
